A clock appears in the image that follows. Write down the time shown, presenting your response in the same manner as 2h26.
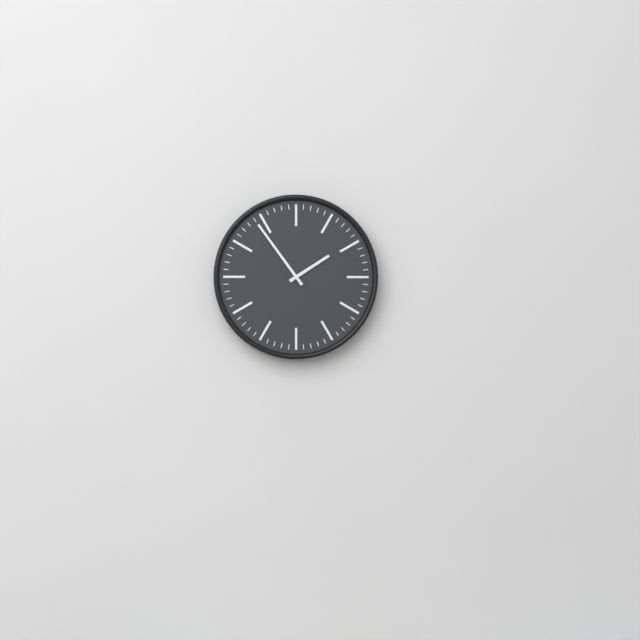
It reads 1h54
